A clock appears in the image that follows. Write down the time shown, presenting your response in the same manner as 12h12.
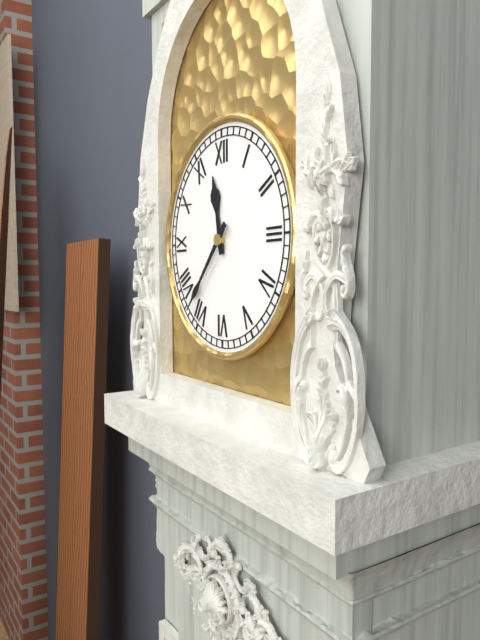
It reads 11h37
